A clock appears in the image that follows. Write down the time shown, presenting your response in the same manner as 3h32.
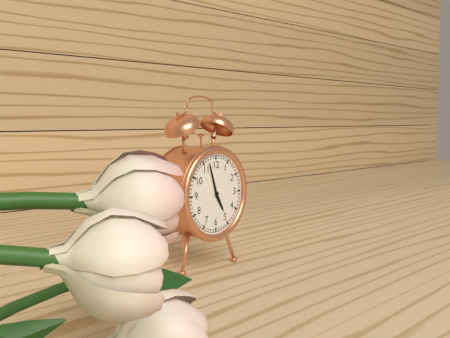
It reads 4h57
